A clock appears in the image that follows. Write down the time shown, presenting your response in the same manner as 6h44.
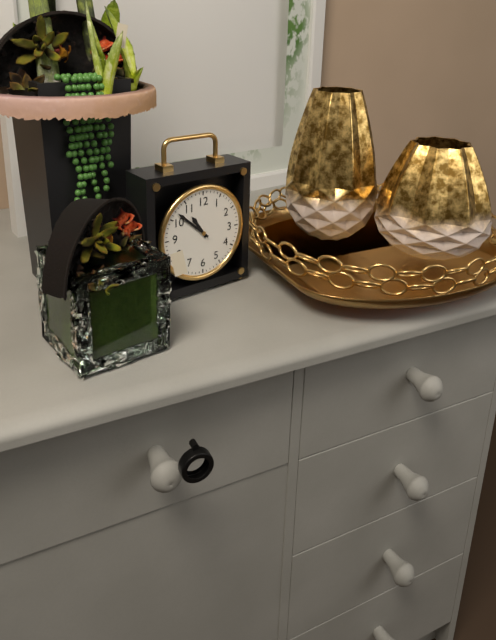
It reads 10h52
